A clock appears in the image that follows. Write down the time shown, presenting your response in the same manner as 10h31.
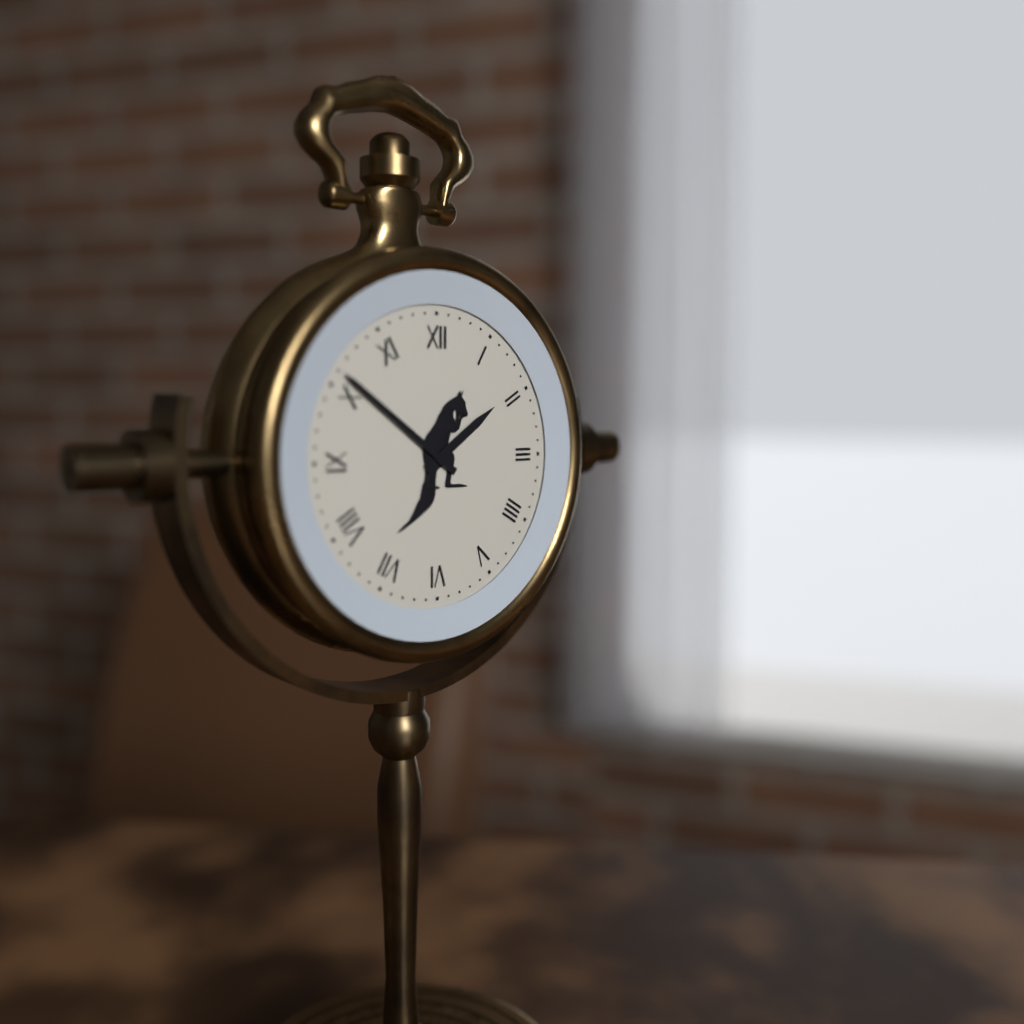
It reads 1h51
